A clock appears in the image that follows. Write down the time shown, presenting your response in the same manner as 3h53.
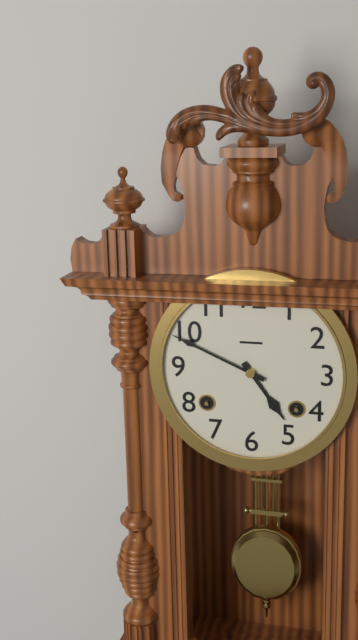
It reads 4h49
